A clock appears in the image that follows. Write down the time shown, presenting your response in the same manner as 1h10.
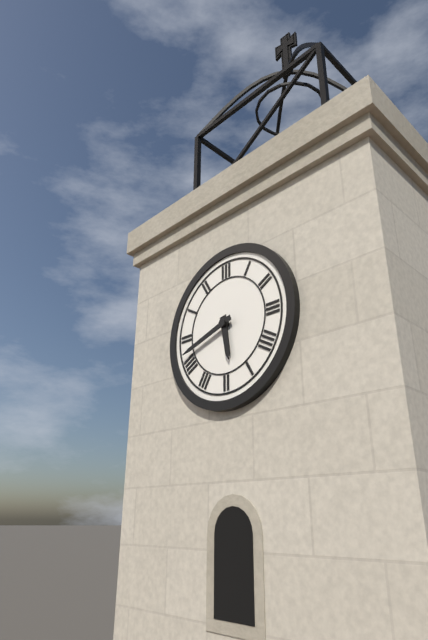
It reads 5h42
